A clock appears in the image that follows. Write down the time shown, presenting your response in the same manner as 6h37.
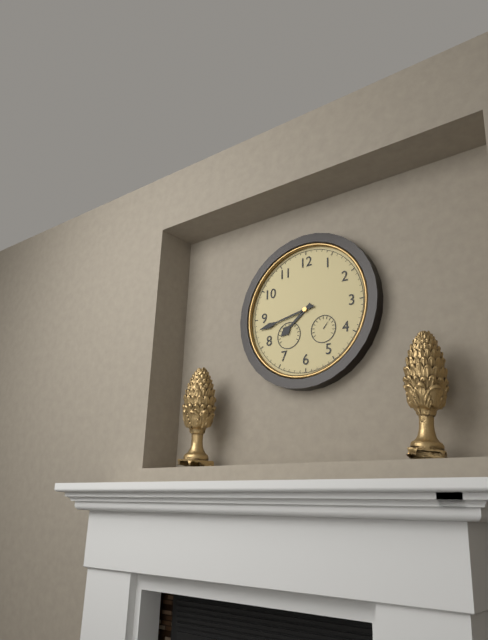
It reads 7h43
